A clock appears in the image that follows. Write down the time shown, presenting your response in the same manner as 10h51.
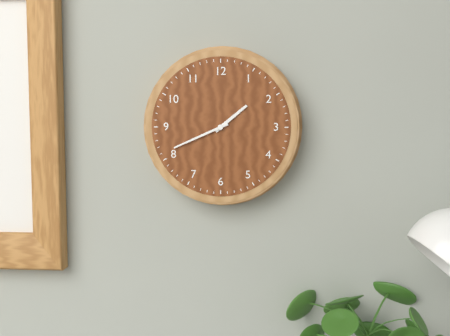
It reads 1h41
